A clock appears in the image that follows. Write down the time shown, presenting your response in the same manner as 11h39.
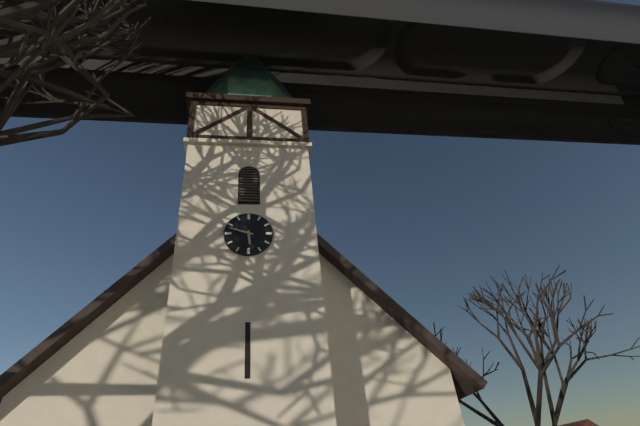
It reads 5h48
